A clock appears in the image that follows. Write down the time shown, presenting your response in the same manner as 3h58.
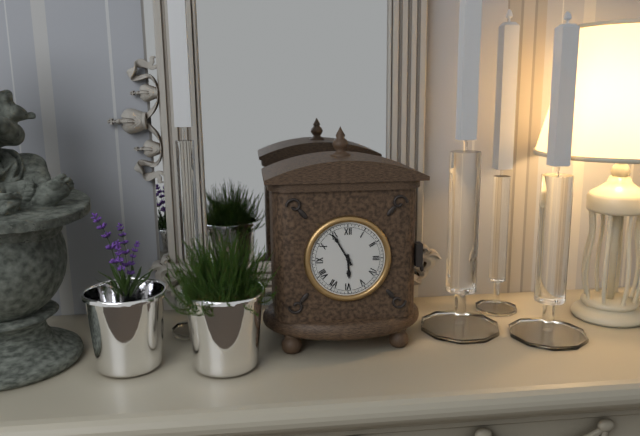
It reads 5h55
